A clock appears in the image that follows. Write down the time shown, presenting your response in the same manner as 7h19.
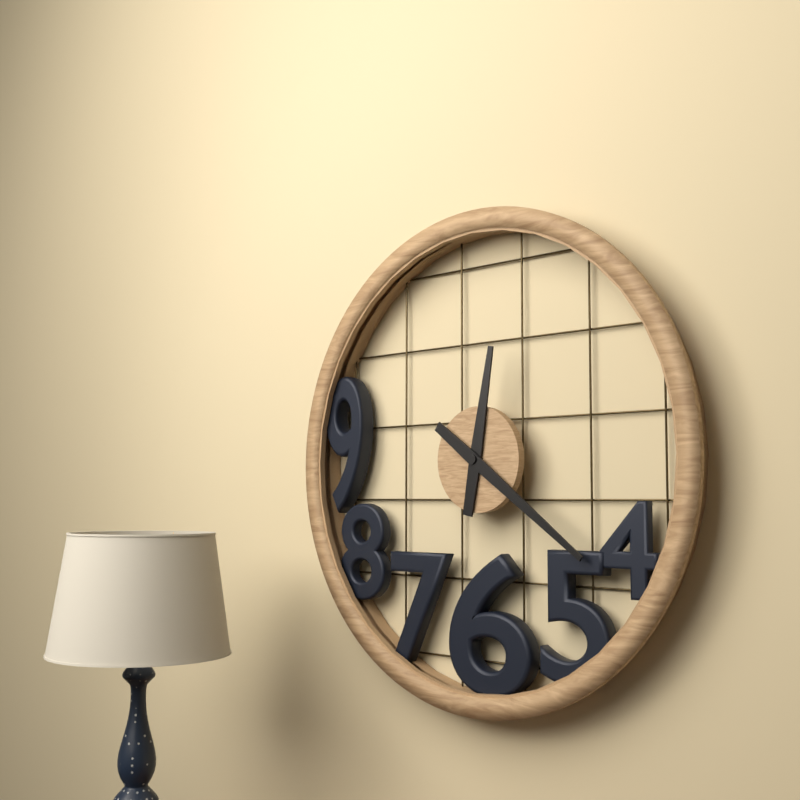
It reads 12h21
